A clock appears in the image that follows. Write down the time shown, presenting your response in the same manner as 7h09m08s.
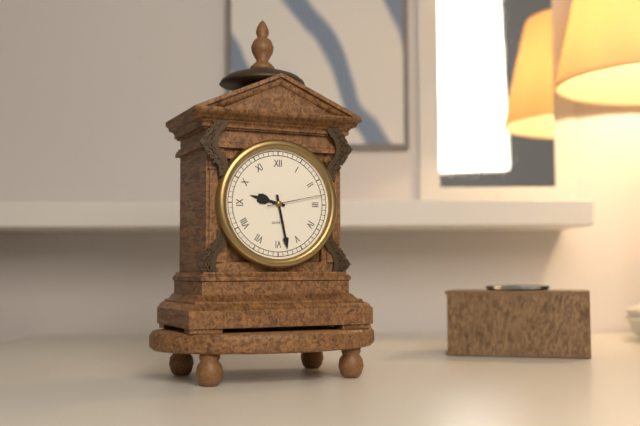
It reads 9h28m13s
